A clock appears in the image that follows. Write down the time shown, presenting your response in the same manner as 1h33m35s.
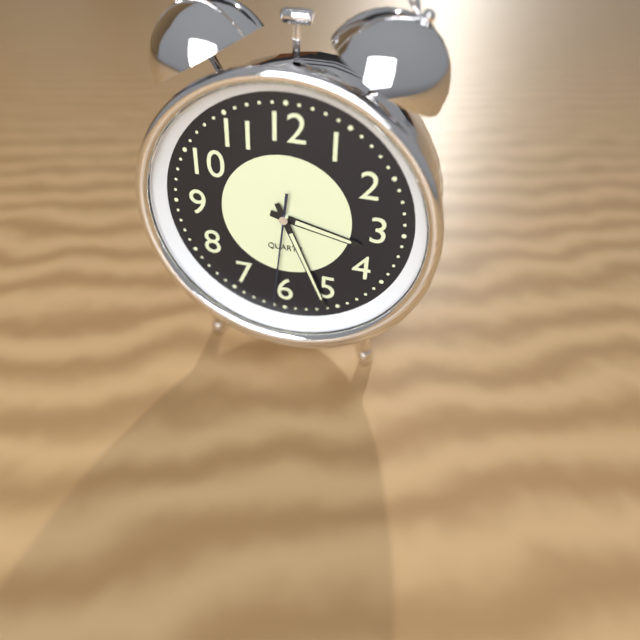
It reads 3h26m31s
